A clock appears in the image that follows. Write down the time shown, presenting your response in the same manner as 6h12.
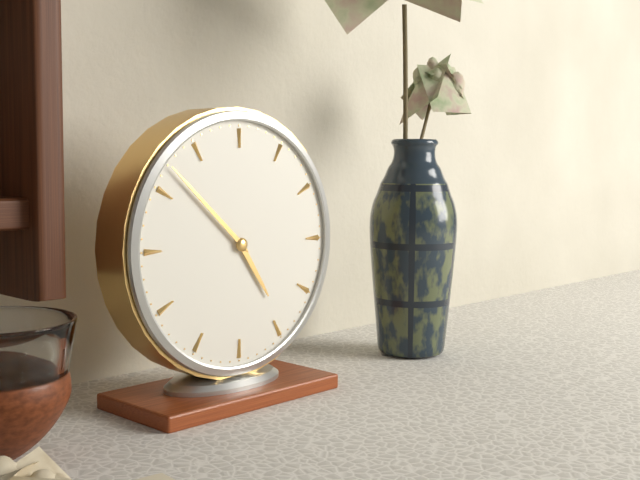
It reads 4h52
